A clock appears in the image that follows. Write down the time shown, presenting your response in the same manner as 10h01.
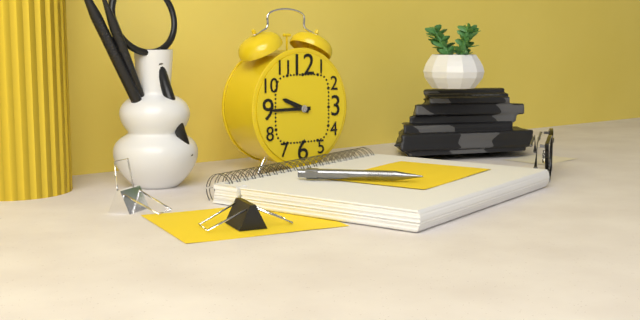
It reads 9h45
